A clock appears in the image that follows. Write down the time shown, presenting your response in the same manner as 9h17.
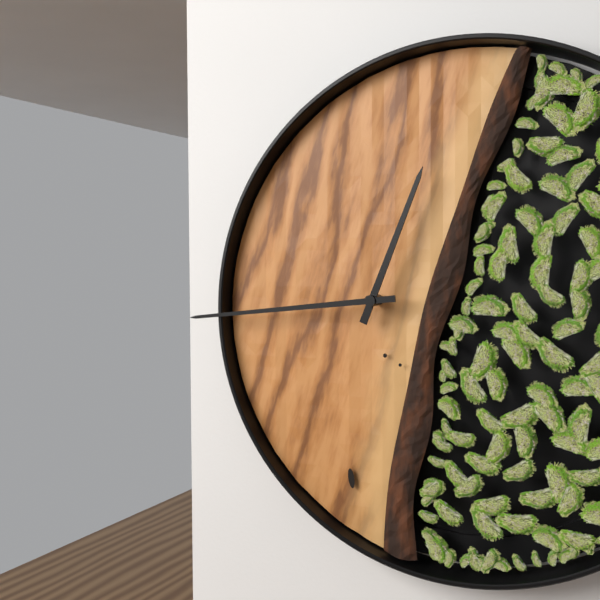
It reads 12h44
